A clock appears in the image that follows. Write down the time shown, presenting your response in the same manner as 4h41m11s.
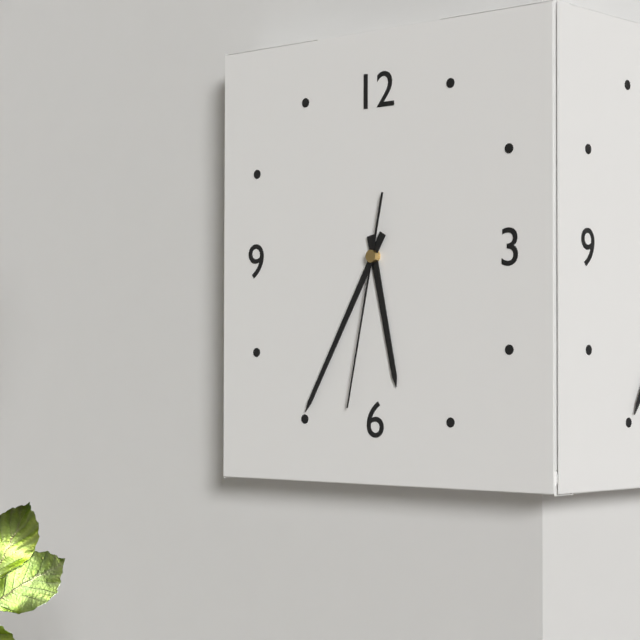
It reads 5h35m32s
